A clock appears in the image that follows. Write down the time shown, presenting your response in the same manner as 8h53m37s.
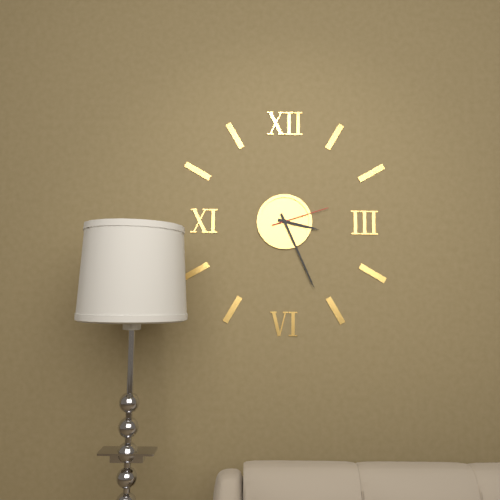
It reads 3h26m12s
